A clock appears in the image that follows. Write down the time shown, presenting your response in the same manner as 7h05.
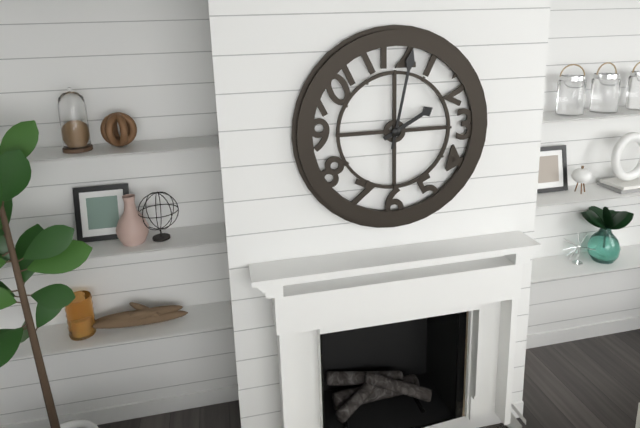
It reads 2h02
